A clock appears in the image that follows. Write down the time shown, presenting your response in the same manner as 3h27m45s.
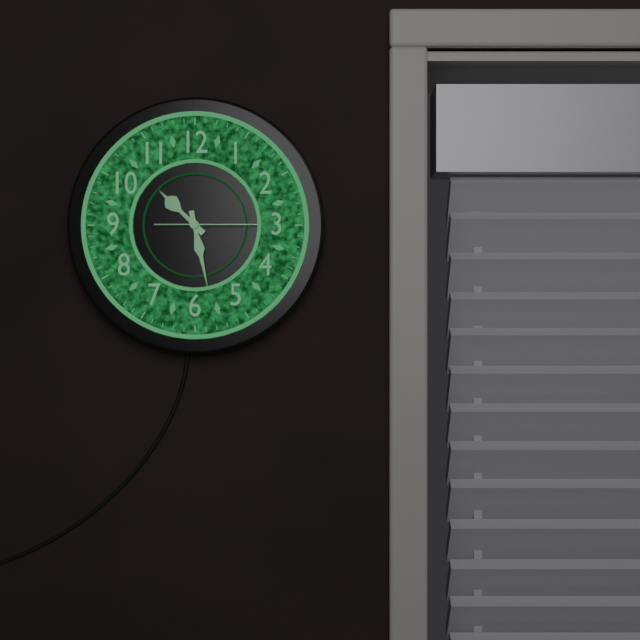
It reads 10h28m15s
